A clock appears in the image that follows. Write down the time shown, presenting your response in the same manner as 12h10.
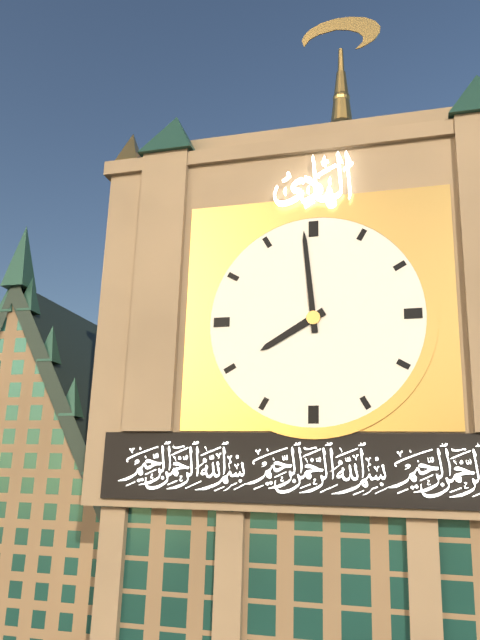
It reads 7h59
